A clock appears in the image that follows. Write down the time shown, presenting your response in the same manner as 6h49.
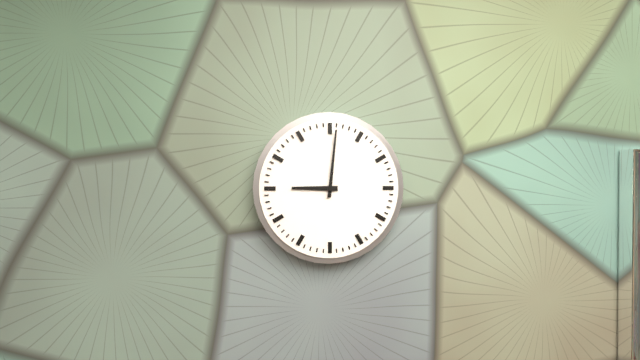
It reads 9h01
